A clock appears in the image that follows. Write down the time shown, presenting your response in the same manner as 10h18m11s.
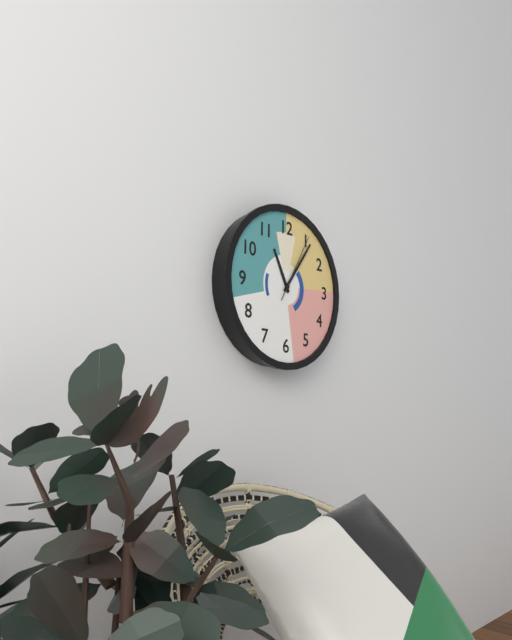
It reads 11h06m05s
